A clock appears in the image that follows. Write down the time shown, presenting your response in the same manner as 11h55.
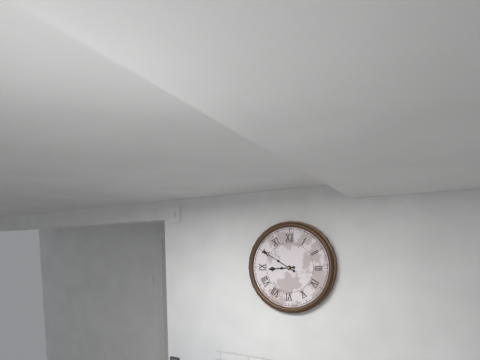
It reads 8h50
